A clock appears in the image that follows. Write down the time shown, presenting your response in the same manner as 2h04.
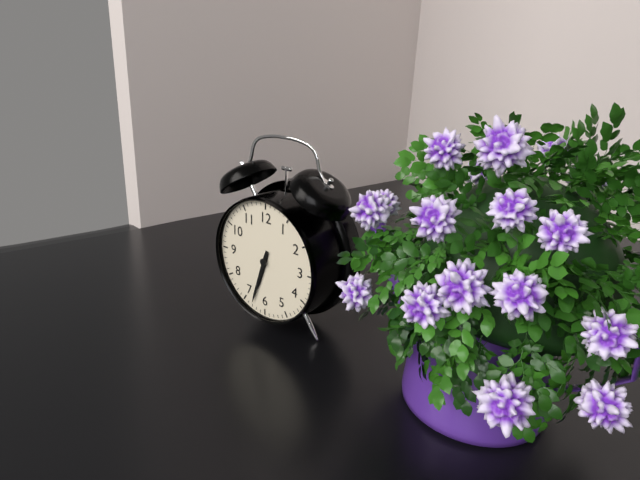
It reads 6h33
